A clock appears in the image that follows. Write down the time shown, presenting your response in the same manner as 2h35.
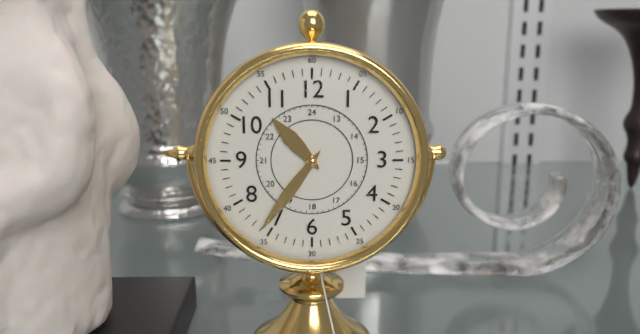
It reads 10h36
